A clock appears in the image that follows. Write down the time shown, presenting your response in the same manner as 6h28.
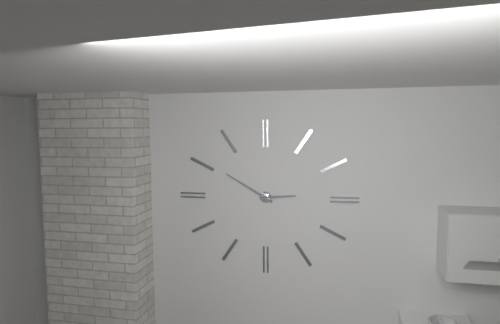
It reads 2h50
